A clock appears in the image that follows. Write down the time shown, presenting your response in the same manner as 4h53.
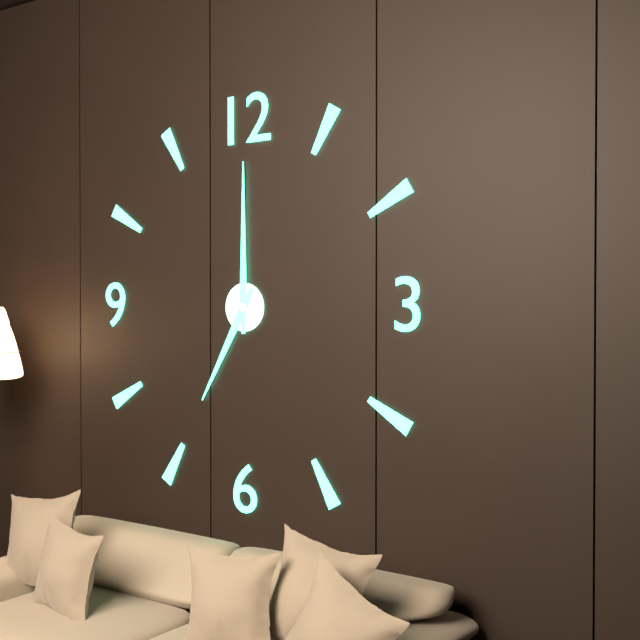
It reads 7h00
